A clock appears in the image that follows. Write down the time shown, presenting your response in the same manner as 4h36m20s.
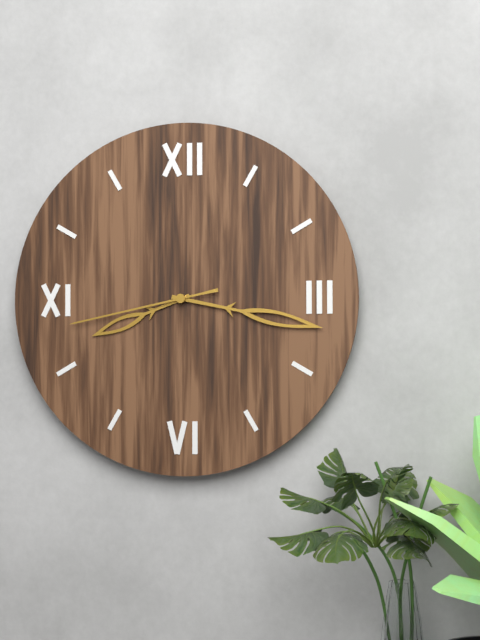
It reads 8h17m43s
